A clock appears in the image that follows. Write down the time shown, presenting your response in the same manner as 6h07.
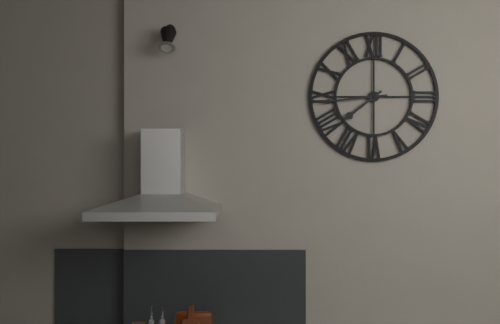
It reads 7h44
